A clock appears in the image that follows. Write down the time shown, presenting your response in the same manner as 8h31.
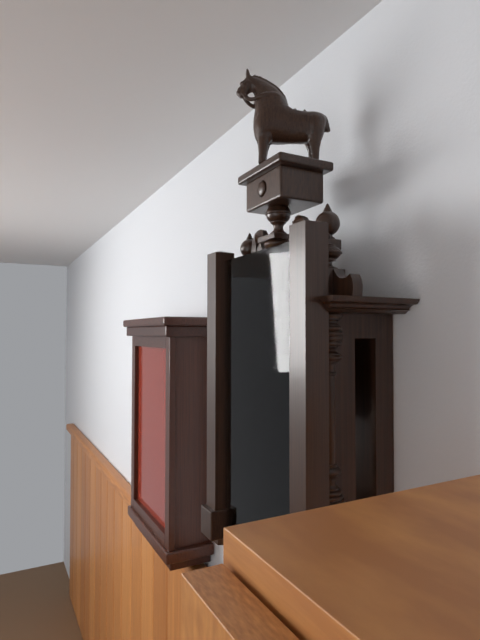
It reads 3h12
